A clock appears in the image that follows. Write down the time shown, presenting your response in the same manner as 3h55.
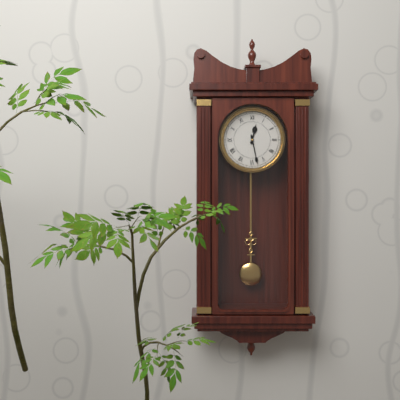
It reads 12h28
